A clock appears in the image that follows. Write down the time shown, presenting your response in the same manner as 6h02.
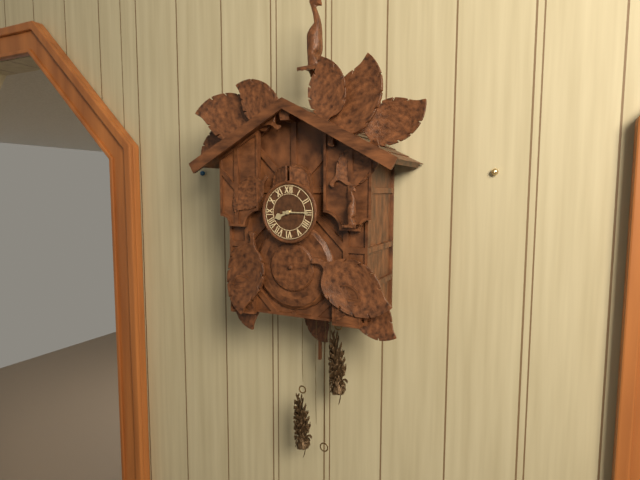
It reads 8h15
